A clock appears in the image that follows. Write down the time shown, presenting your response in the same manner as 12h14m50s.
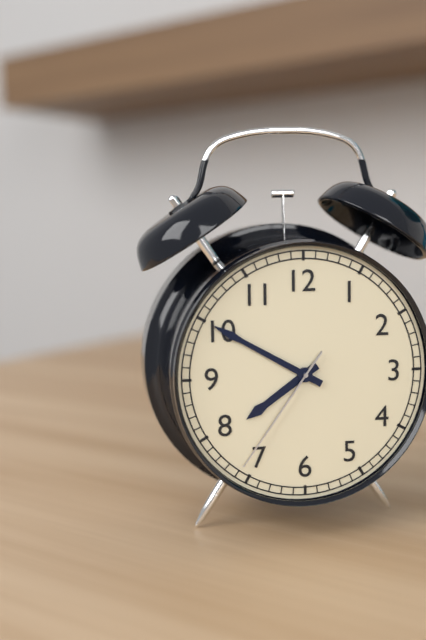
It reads 7h50m36s
